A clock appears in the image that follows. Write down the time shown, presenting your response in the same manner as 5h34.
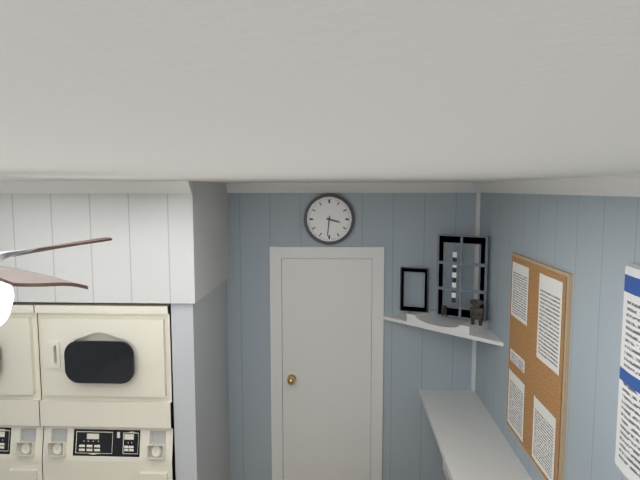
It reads 3h31
